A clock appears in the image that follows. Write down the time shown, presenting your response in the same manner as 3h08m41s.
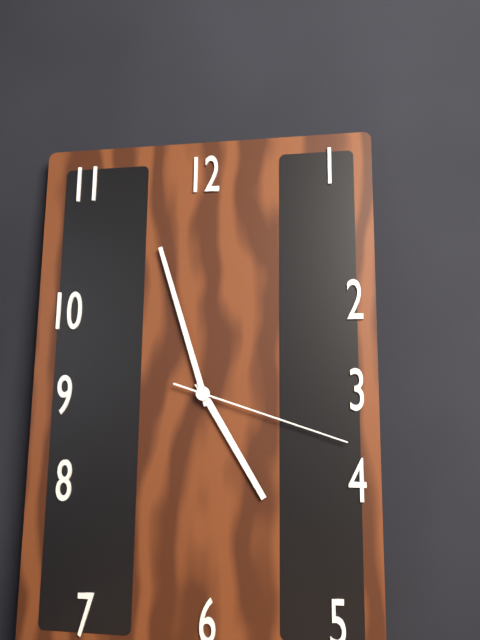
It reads 4h57m18s
